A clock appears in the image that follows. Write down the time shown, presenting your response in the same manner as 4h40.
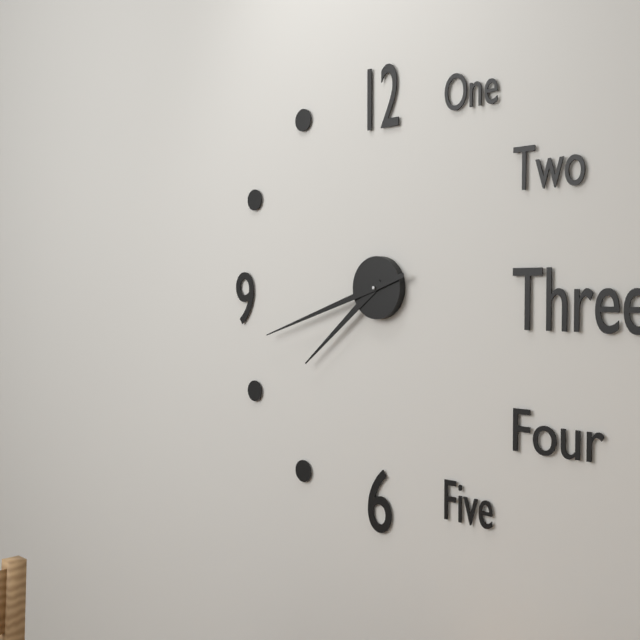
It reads 7h42
